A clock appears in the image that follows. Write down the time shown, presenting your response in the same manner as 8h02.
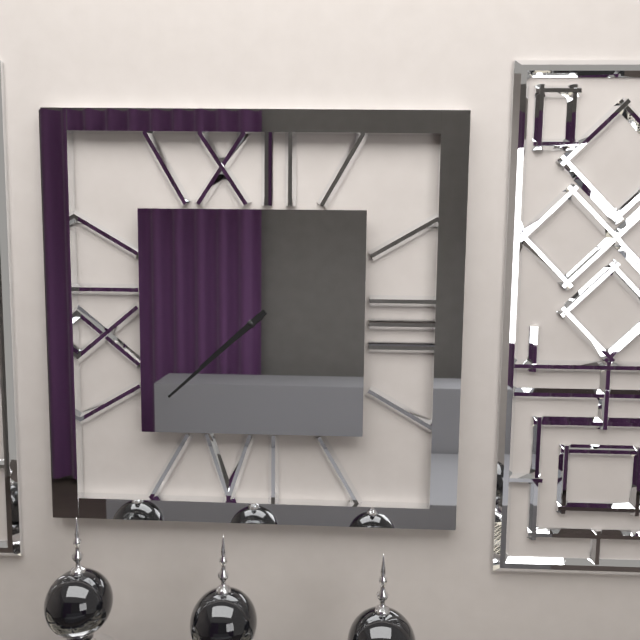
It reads 7h38
